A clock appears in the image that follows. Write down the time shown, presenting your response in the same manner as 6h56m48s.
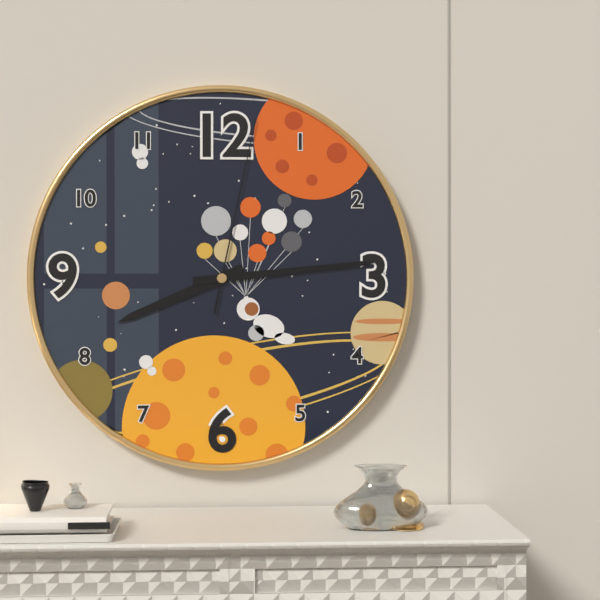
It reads 8h14m02s
